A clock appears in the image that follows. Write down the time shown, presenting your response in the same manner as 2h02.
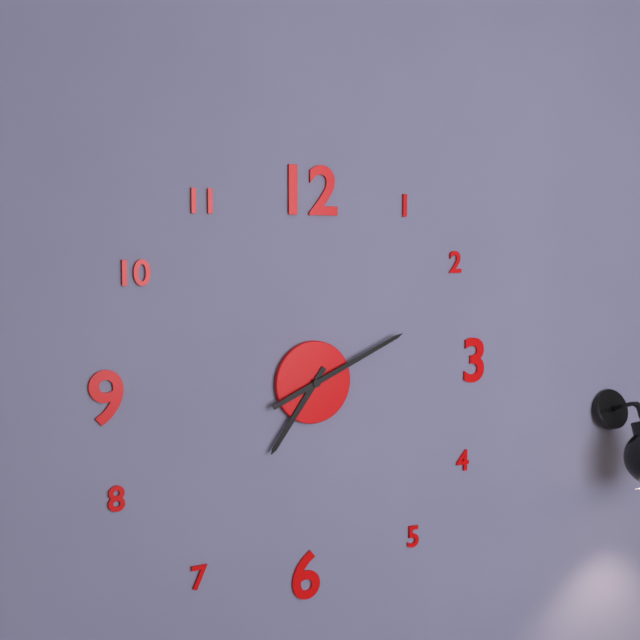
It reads 7h11
